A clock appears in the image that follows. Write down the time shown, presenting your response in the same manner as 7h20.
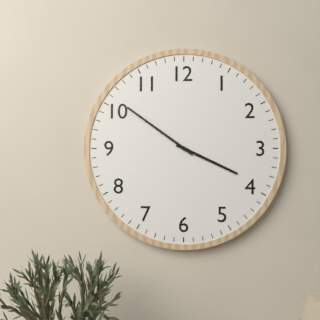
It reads 3h51
